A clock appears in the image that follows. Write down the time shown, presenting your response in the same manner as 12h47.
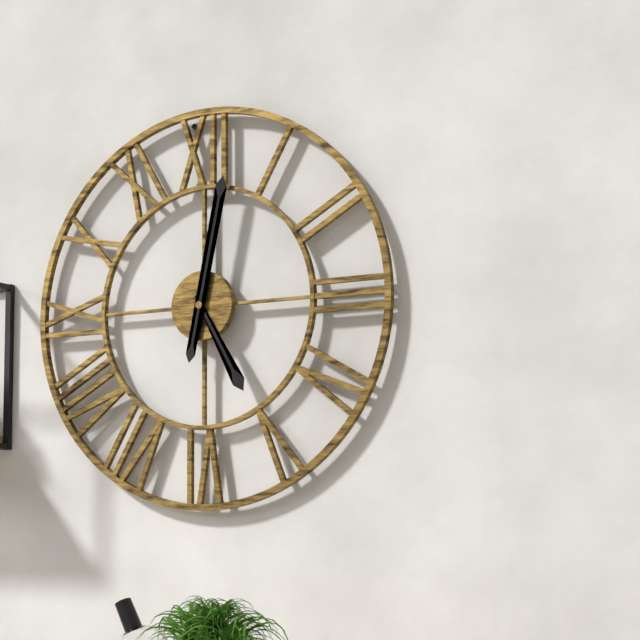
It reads 5h02
